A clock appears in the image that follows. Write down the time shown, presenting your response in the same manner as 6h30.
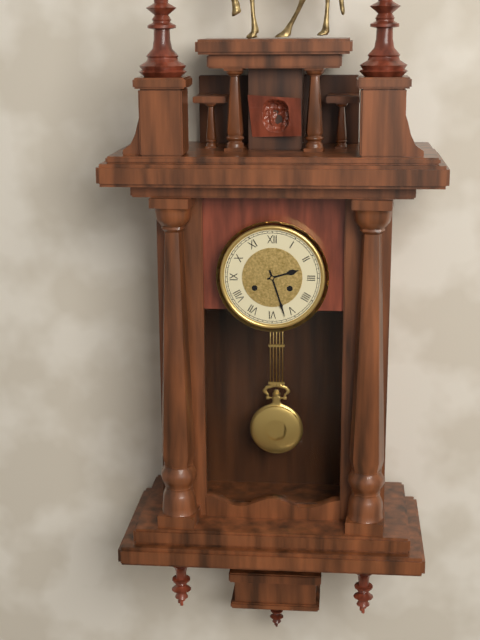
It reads 2h27
